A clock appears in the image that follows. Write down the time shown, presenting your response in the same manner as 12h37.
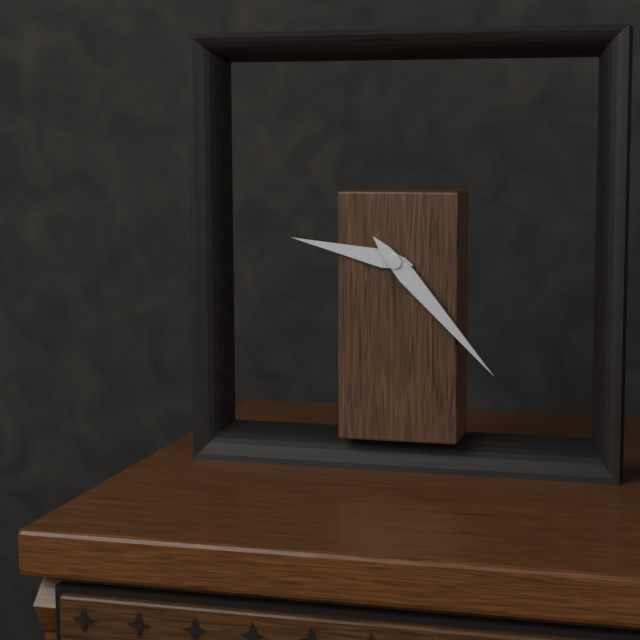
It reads 9h23
